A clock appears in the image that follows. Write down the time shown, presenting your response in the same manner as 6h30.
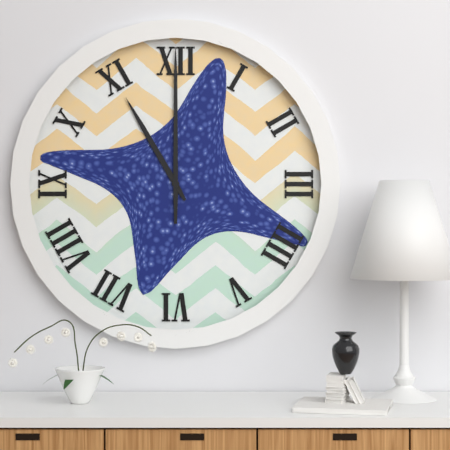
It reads 11h00
